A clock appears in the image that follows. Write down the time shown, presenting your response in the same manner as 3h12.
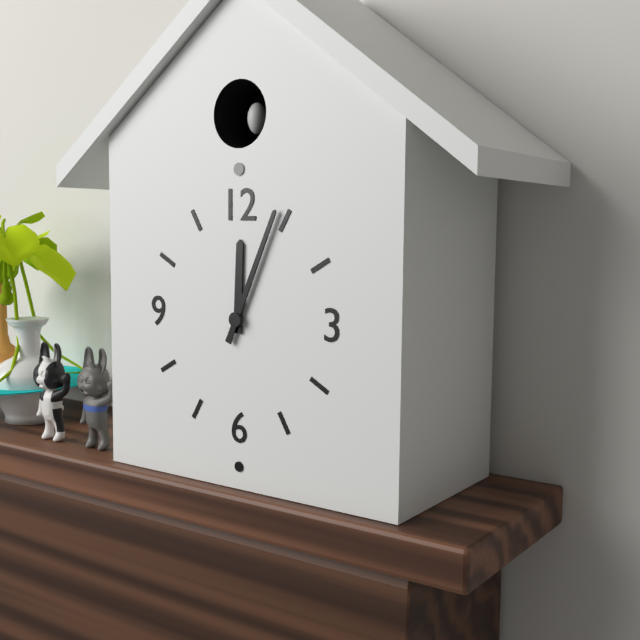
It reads 12h04
